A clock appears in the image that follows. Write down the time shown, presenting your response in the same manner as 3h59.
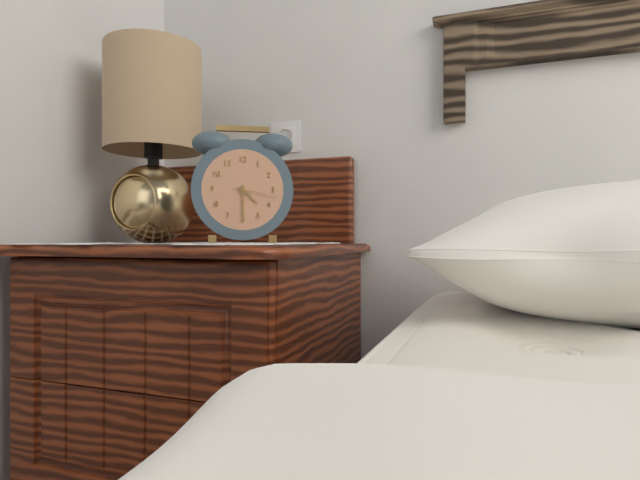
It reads 4h30
